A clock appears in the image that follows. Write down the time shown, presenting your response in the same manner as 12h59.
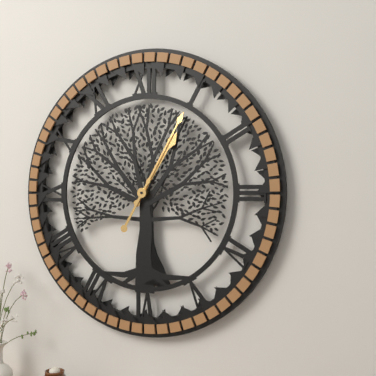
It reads 1h05
